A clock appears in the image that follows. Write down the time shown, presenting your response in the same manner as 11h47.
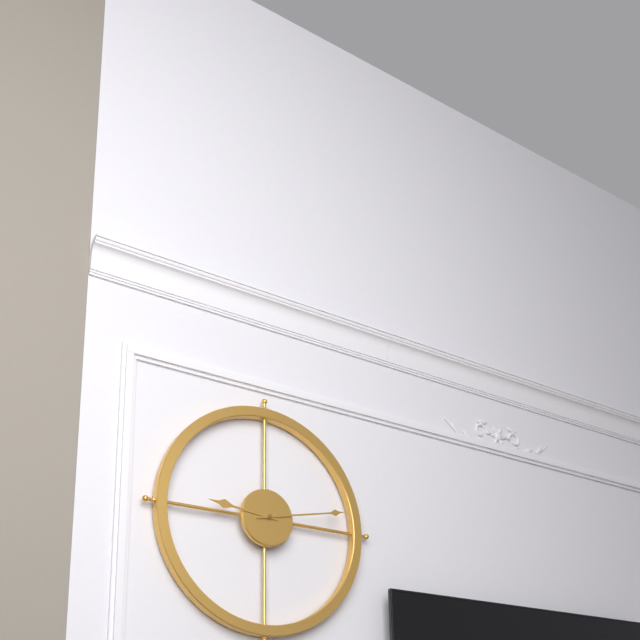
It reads 9h13
